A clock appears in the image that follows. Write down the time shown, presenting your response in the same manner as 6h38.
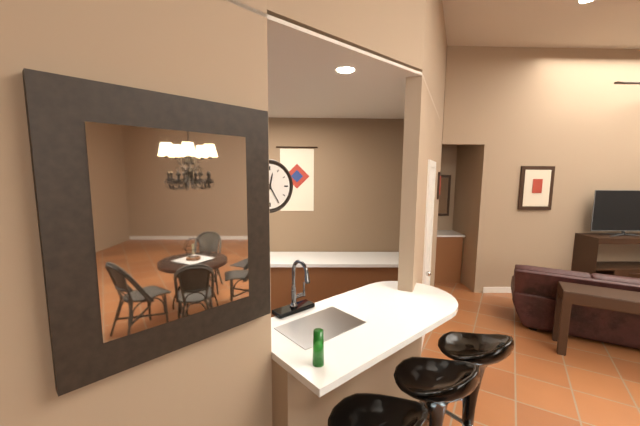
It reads 12h25
